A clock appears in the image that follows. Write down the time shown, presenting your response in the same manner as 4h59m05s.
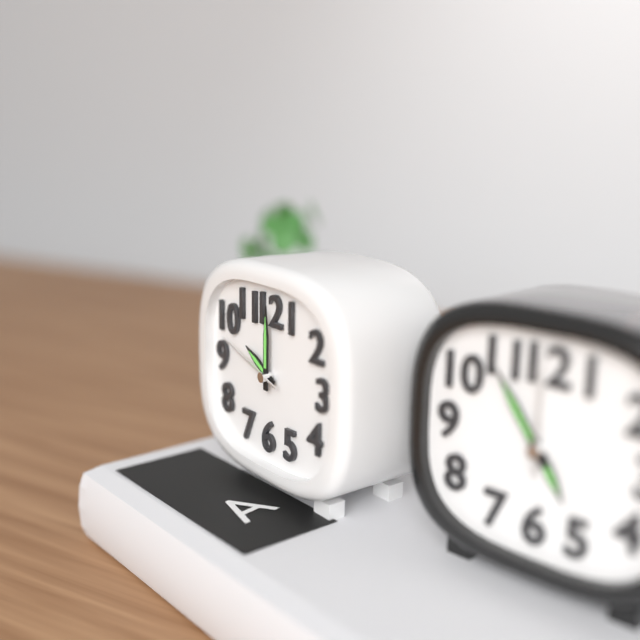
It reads 10h00m48s
